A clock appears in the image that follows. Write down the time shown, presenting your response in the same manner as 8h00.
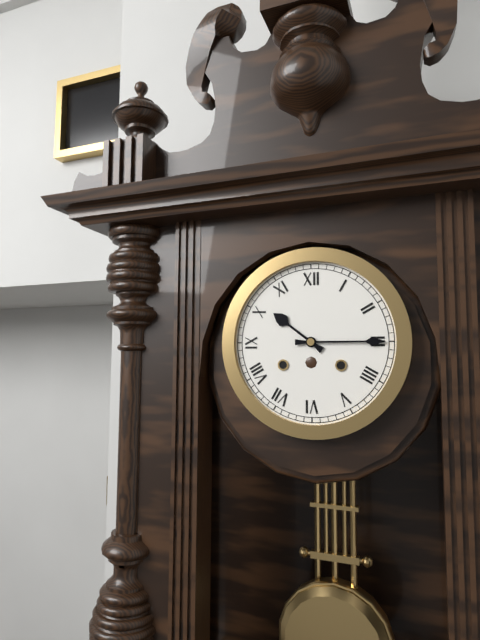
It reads 10h15
